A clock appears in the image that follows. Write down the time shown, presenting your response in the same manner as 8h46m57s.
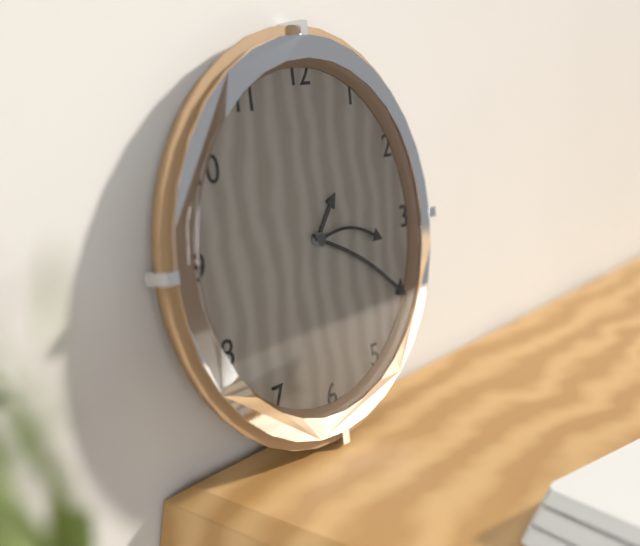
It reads 1h20m16s
